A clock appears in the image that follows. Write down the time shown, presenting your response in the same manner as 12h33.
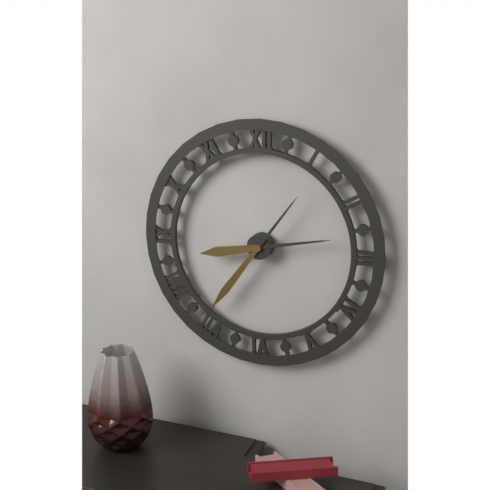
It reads 8h36
